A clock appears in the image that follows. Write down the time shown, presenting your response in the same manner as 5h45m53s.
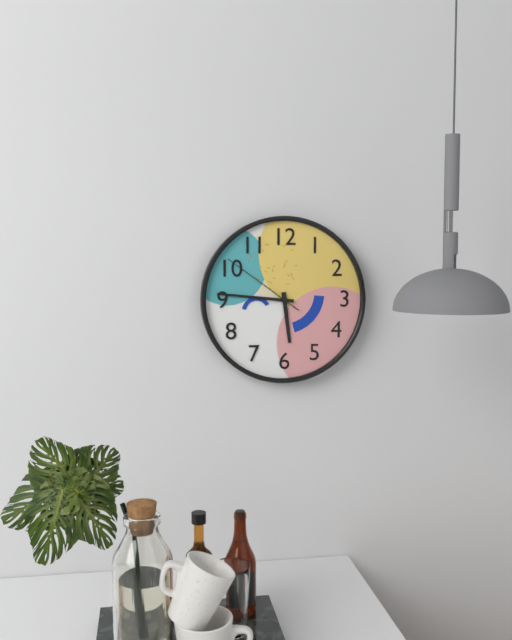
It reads 5h46m51s
